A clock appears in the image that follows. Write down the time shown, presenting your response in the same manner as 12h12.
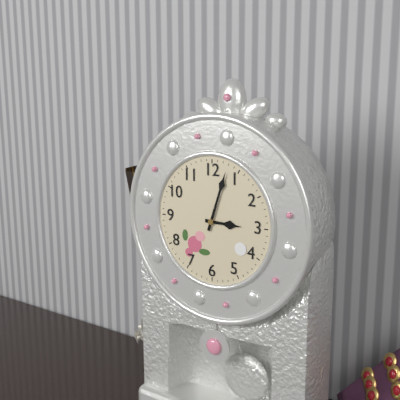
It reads 3h03
